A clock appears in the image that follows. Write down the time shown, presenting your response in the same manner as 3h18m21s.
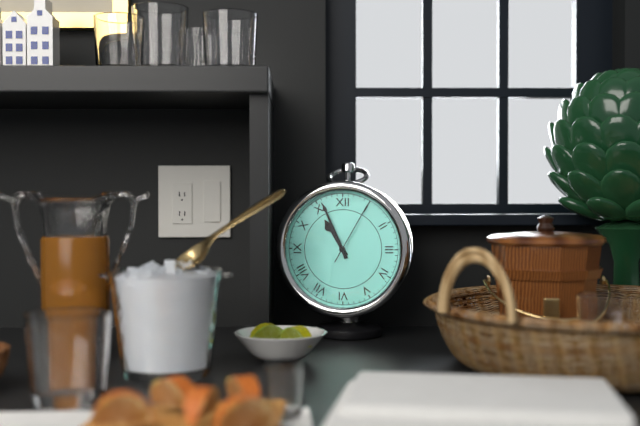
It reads 10h56m05s
